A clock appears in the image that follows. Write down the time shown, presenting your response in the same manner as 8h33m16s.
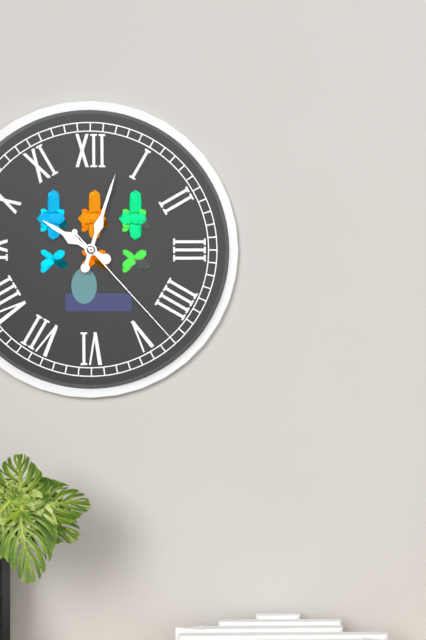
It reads 10h03m23s
